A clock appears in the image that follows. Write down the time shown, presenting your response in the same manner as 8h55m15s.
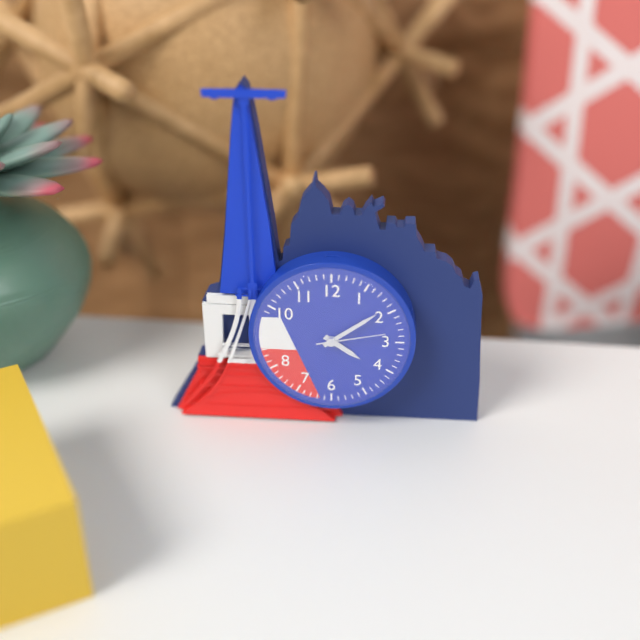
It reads 4h09m13s
